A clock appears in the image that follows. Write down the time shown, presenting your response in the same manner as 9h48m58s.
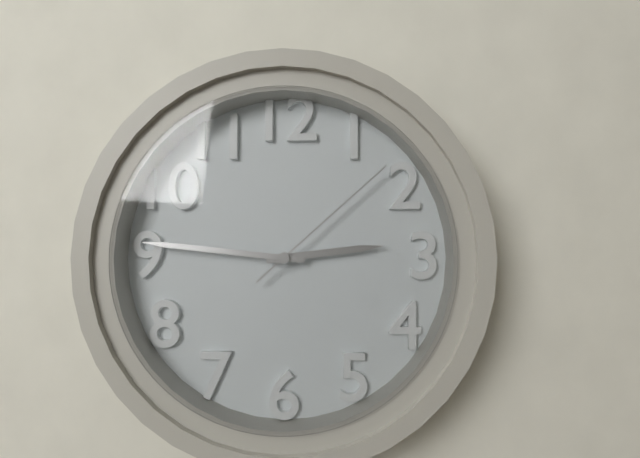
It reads 2h46m08s
